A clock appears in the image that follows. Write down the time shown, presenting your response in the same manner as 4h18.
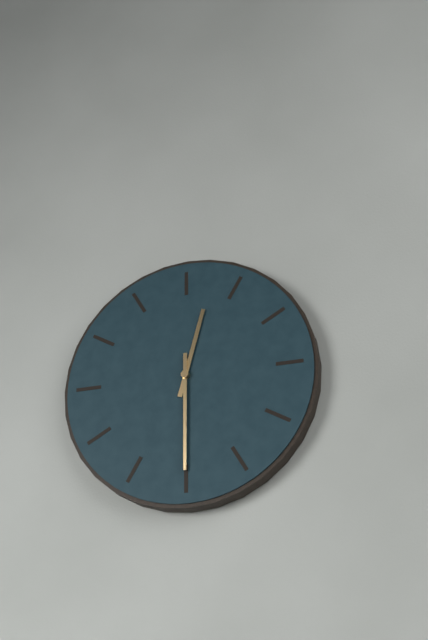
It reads 12h30
